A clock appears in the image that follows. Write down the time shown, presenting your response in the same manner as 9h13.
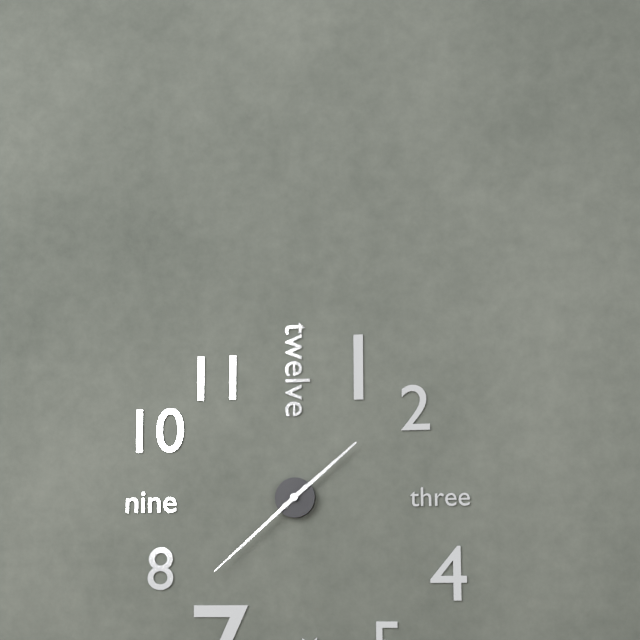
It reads 1h38
